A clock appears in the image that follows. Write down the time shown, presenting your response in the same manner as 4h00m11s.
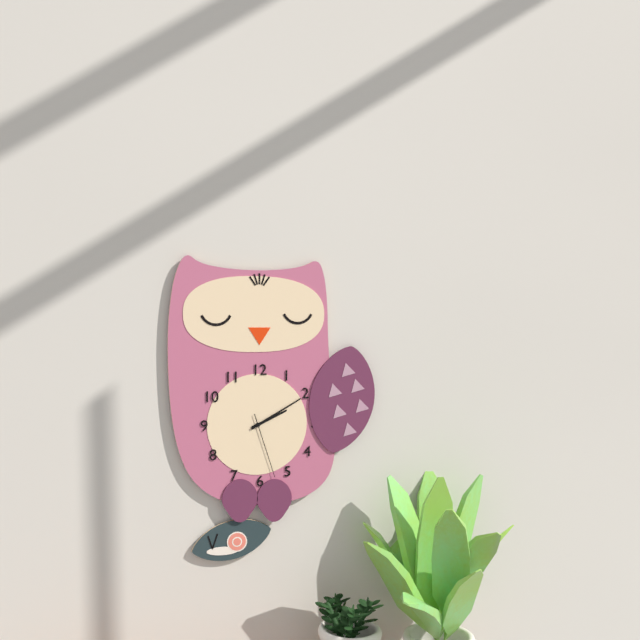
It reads 2h10m27s
